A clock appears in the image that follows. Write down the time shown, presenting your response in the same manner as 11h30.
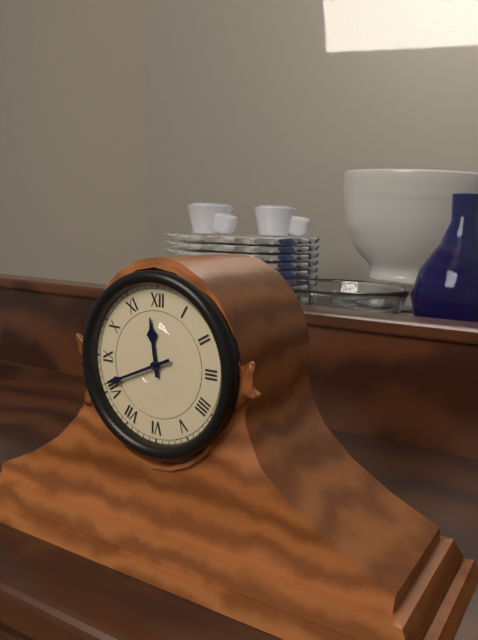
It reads 11h41
